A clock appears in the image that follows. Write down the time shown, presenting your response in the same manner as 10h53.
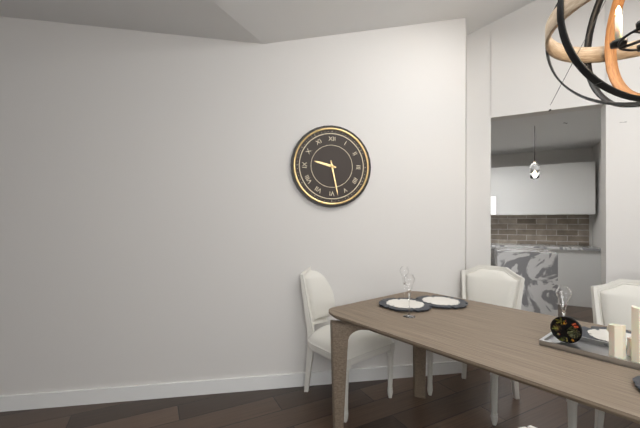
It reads 9h28
